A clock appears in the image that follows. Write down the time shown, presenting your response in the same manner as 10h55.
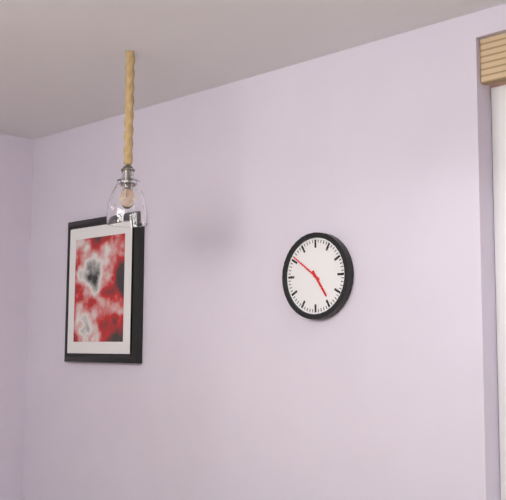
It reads 4h51
